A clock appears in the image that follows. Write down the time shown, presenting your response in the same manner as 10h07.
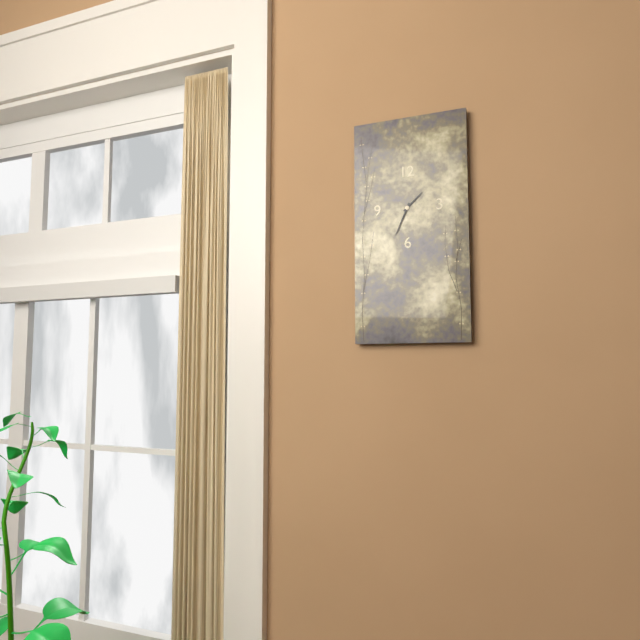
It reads 1h34
